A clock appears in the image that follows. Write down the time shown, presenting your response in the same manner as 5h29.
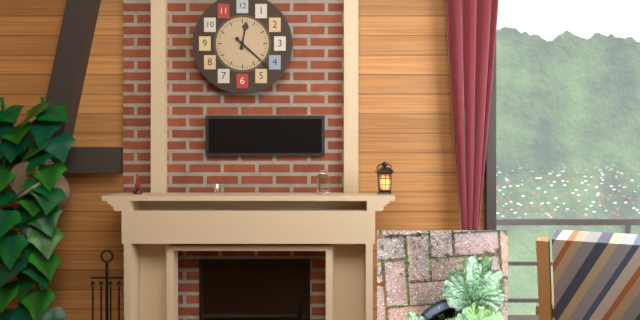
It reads 12h22
